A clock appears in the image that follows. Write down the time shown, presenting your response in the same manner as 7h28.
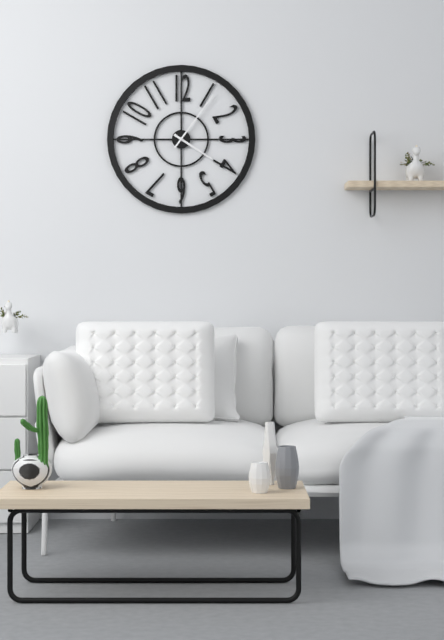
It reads 4h06
